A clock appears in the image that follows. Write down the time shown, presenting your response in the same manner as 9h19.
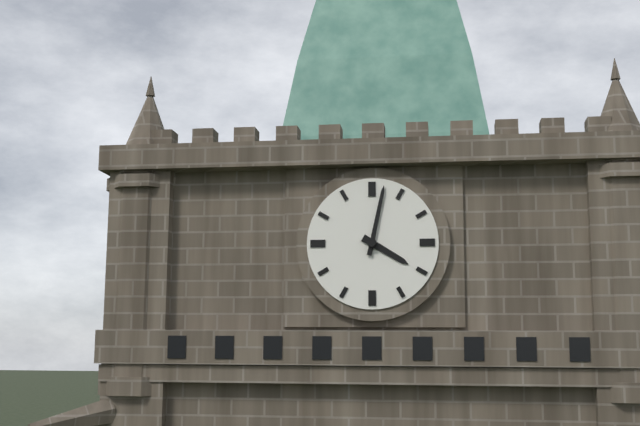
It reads 4h02
